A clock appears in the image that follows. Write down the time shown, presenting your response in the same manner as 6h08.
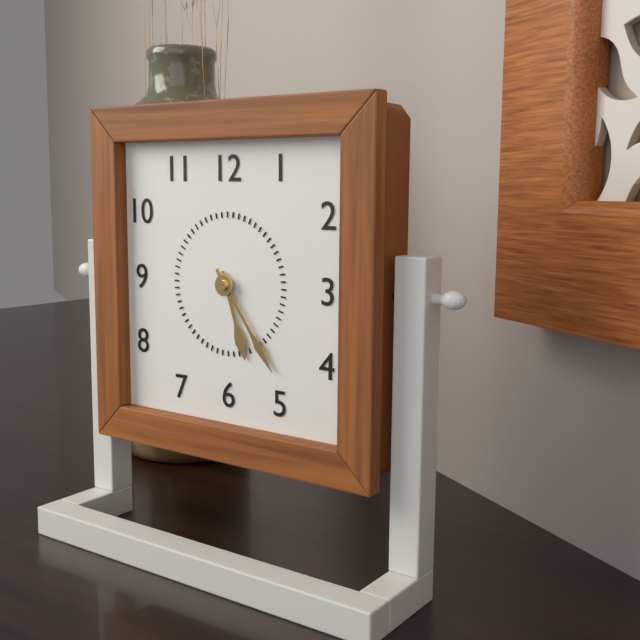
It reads 5h24
